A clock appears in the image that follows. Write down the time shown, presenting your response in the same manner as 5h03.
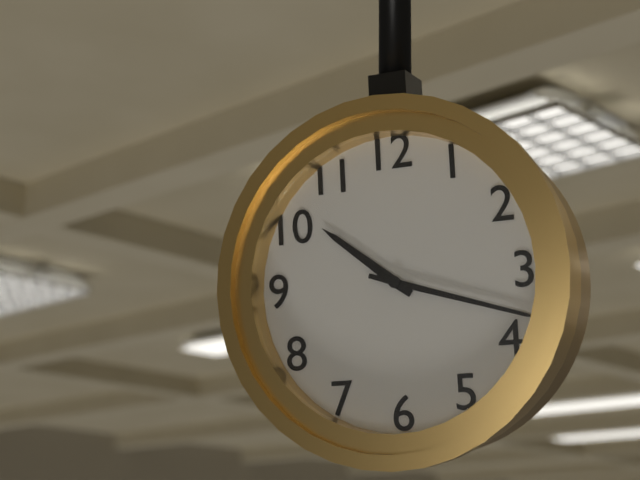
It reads 10h18
